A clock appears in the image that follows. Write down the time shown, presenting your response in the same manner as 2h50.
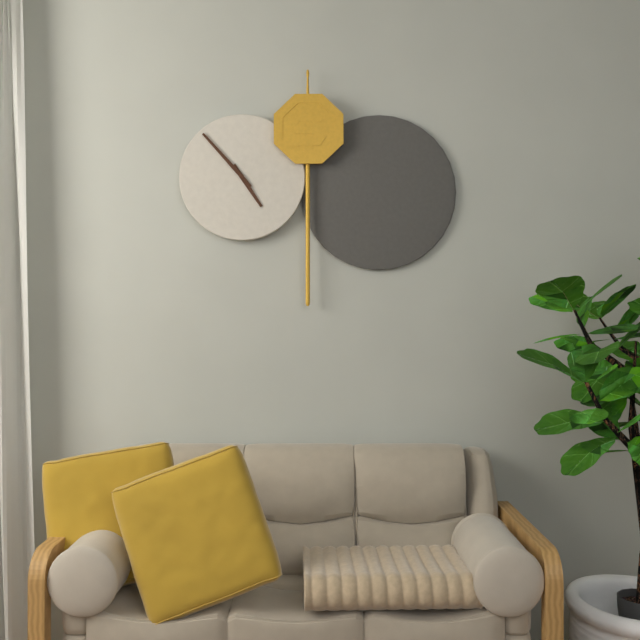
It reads 4h53
